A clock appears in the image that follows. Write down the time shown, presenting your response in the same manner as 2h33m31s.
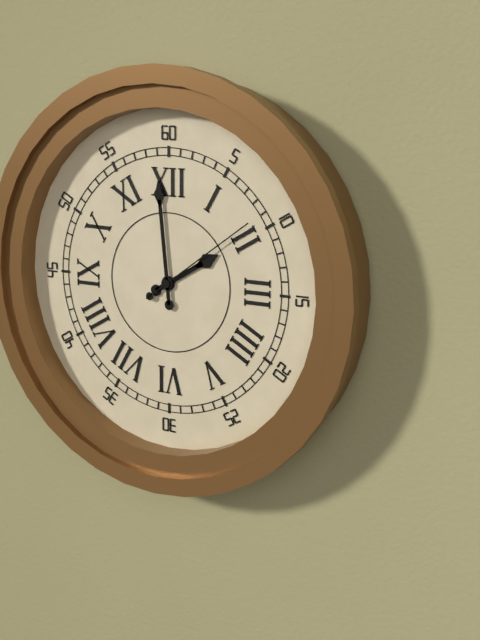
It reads 1h59m09s
